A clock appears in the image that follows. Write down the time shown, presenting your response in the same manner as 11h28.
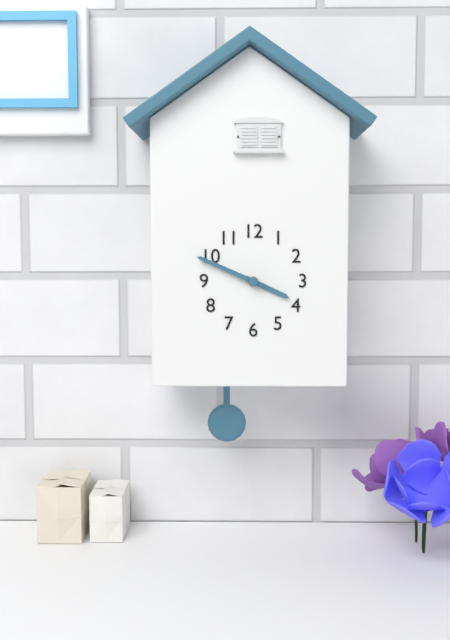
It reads 3h49
